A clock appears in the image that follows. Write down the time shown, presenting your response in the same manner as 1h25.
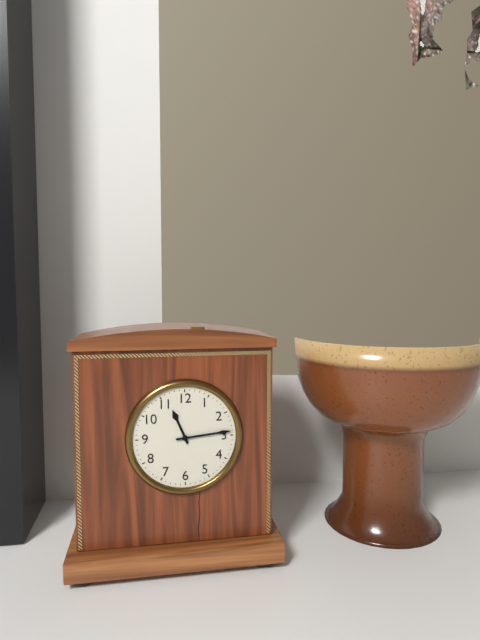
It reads 11h14
